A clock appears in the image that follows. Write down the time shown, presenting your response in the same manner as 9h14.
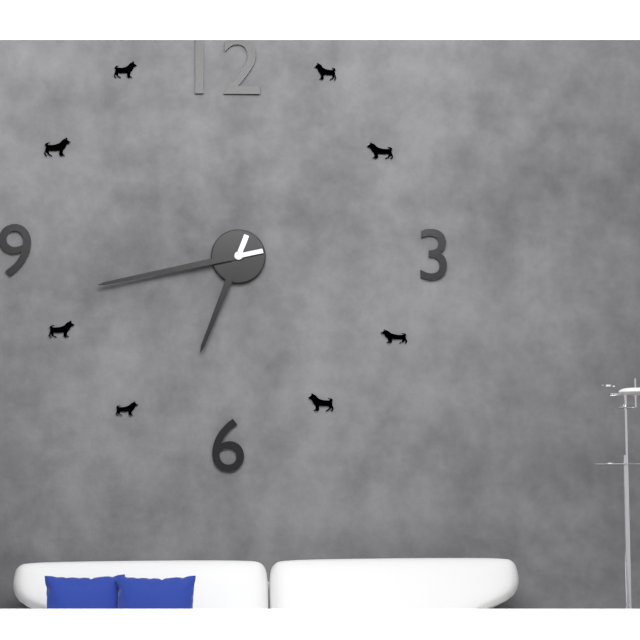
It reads 6h43
